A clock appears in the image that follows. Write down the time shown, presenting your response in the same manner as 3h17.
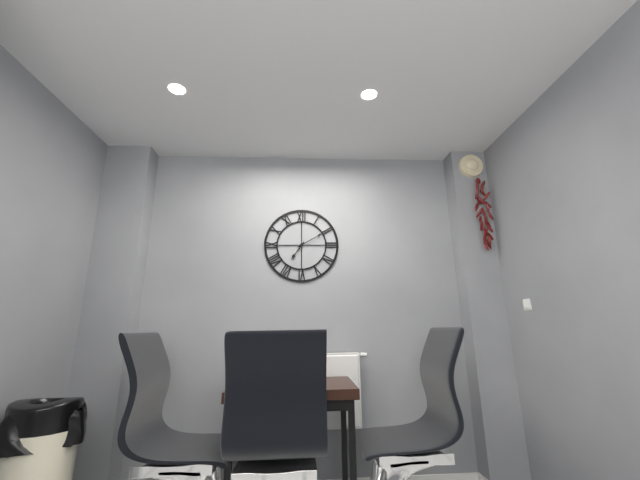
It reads 7h10
